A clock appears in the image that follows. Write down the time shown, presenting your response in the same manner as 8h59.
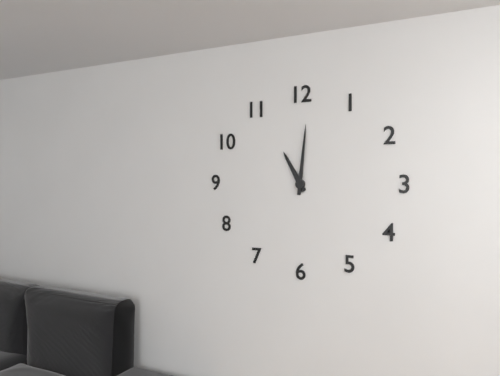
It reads 11h01
